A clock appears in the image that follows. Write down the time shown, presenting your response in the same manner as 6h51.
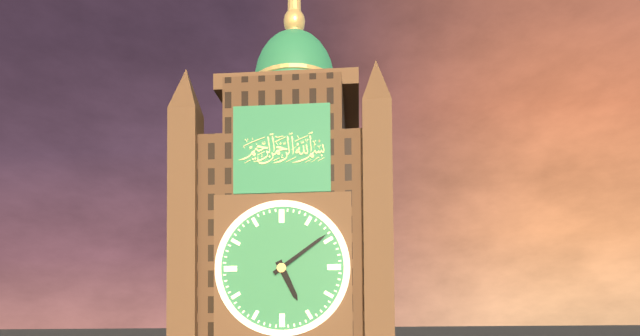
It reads 5h09
